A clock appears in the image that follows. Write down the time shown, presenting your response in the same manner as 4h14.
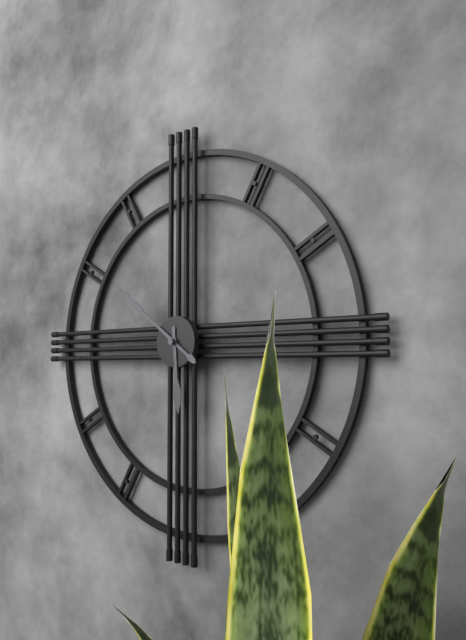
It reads 5h51
